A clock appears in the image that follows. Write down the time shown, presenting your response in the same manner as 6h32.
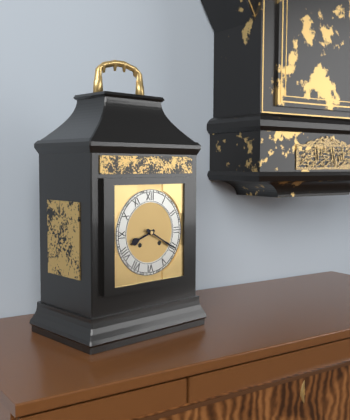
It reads 8h20
